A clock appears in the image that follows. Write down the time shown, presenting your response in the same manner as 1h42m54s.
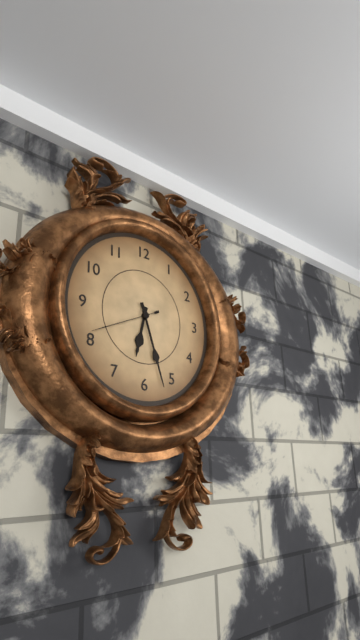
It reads 6h27m41s
